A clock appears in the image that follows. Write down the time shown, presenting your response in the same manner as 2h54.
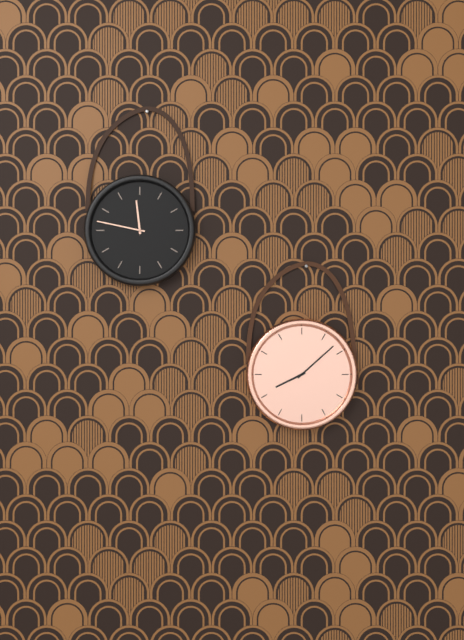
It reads 8h08
